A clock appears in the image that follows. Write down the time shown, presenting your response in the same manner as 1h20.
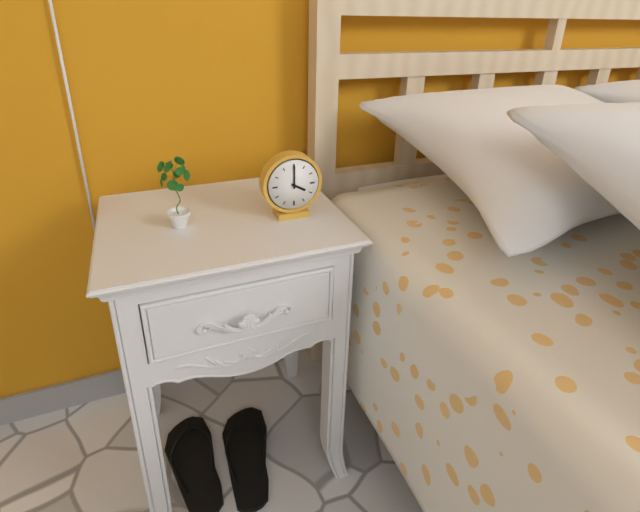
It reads 4h00
